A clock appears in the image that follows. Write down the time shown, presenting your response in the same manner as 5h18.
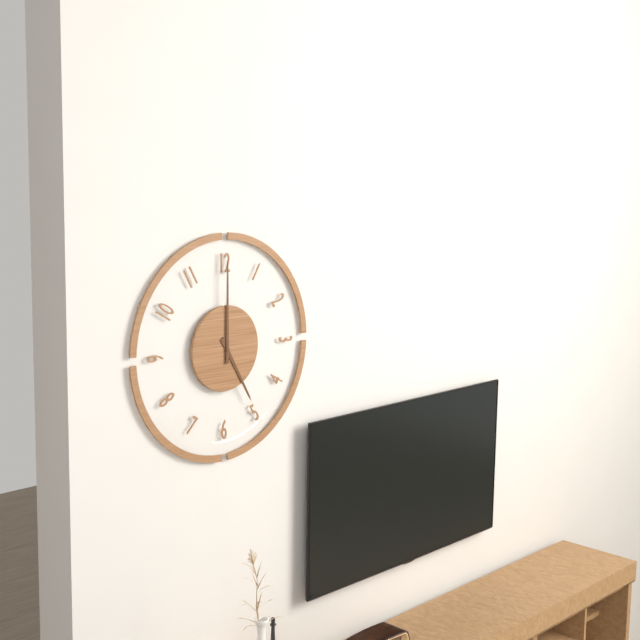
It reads 5h00
